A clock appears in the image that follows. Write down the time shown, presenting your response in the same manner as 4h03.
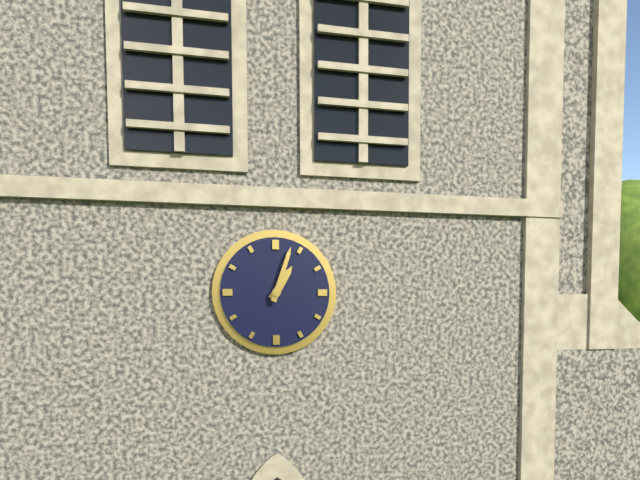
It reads 1h03
